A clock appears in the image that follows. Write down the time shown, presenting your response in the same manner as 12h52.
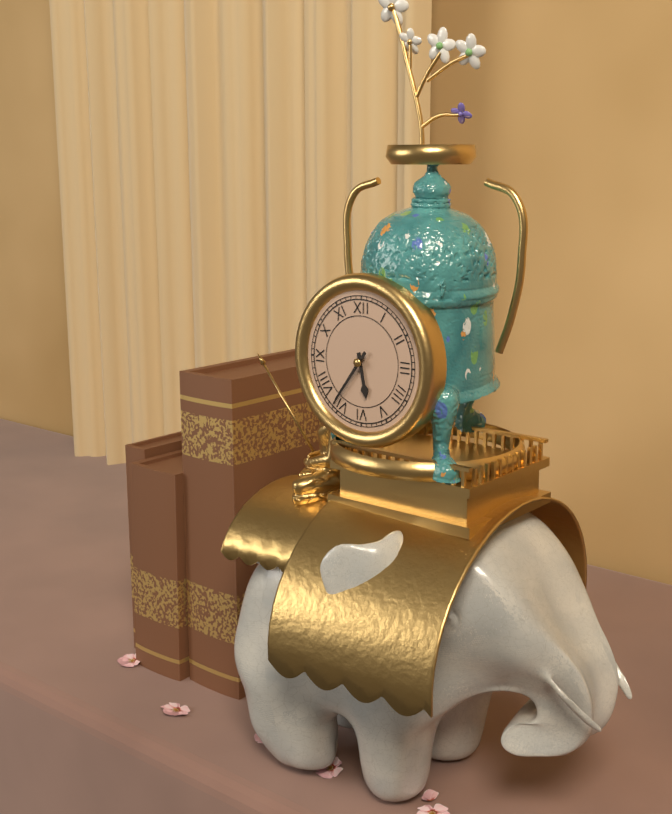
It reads 5h36
